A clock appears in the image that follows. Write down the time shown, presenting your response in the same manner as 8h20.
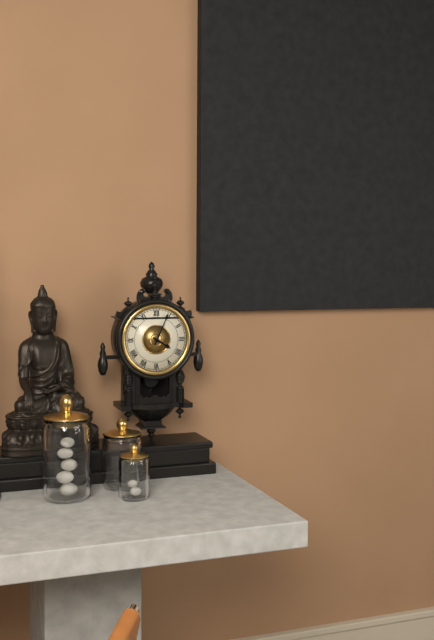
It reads 4h04
